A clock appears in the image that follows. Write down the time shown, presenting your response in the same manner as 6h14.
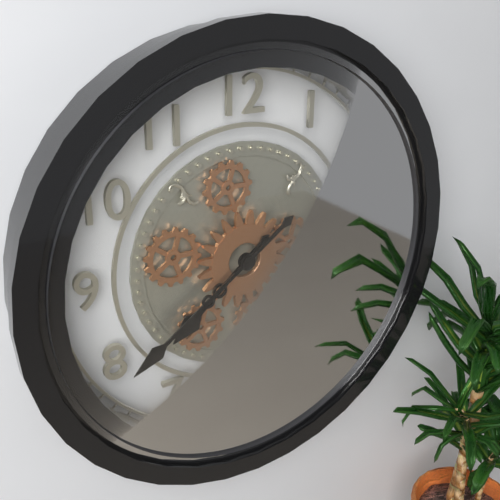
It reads 7h39
